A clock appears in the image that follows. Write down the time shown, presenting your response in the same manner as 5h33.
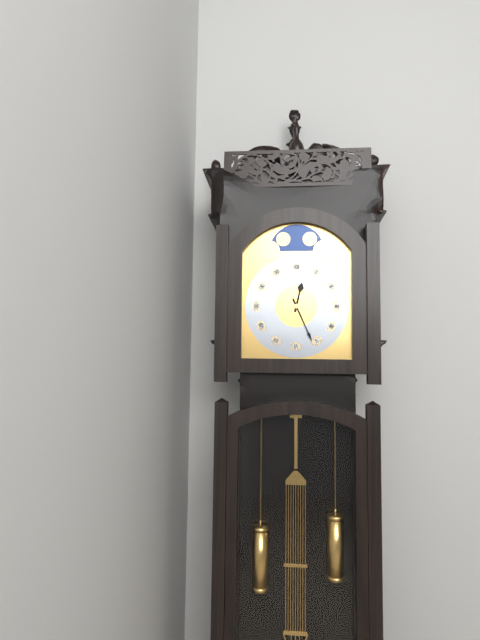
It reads 12h26
